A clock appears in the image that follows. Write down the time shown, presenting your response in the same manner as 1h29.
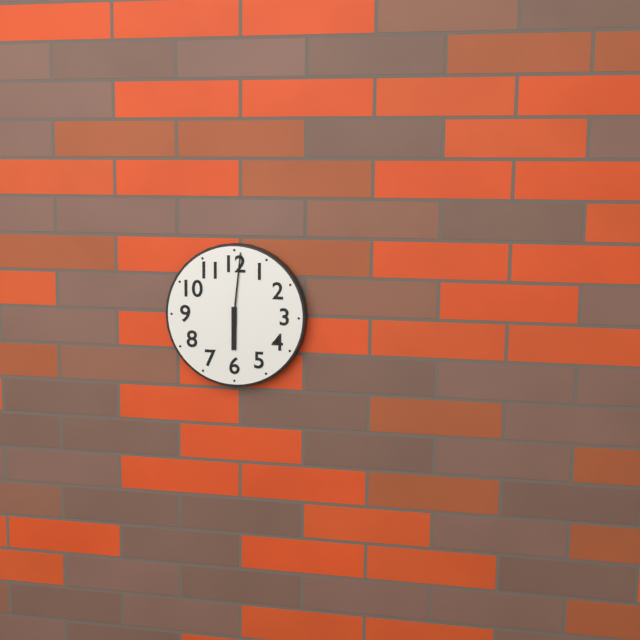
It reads 6h01
